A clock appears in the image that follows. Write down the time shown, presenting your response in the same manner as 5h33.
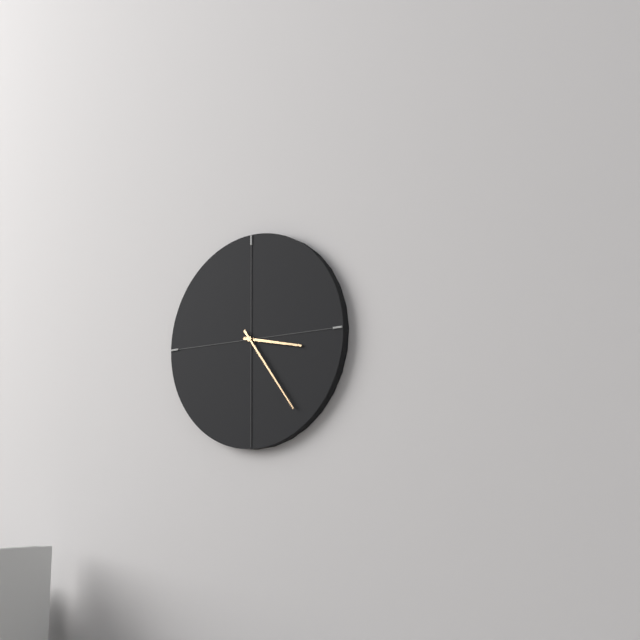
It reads 3h24
